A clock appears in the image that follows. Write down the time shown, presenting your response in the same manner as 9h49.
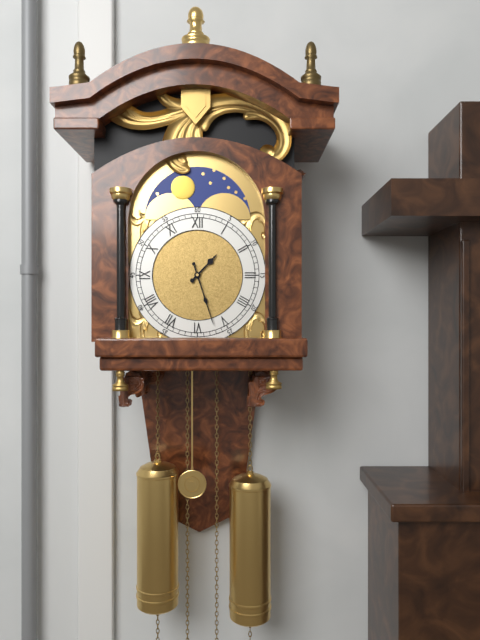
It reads 1h27
